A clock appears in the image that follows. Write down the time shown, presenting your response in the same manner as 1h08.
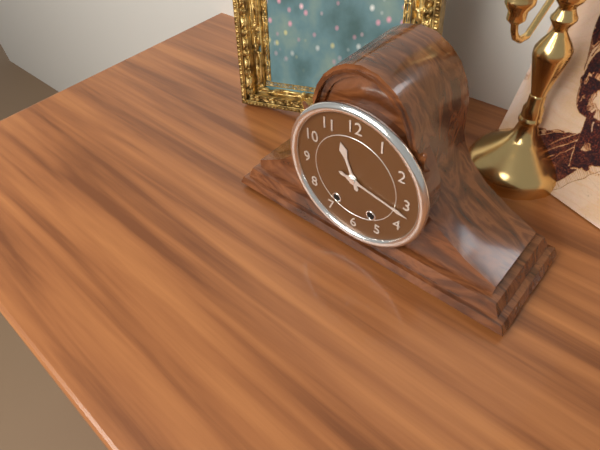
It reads 11h17
